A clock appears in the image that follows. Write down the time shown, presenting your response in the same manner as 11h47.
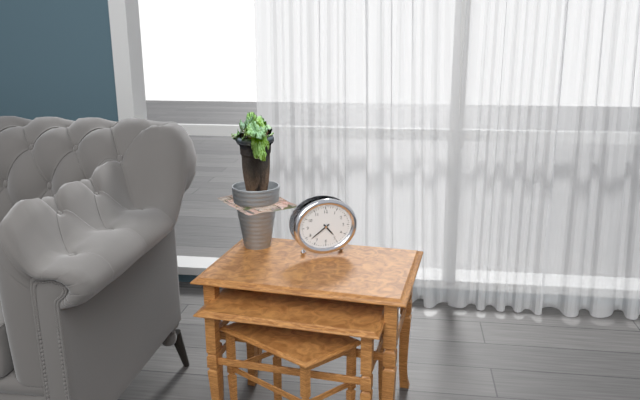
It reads 4h39
